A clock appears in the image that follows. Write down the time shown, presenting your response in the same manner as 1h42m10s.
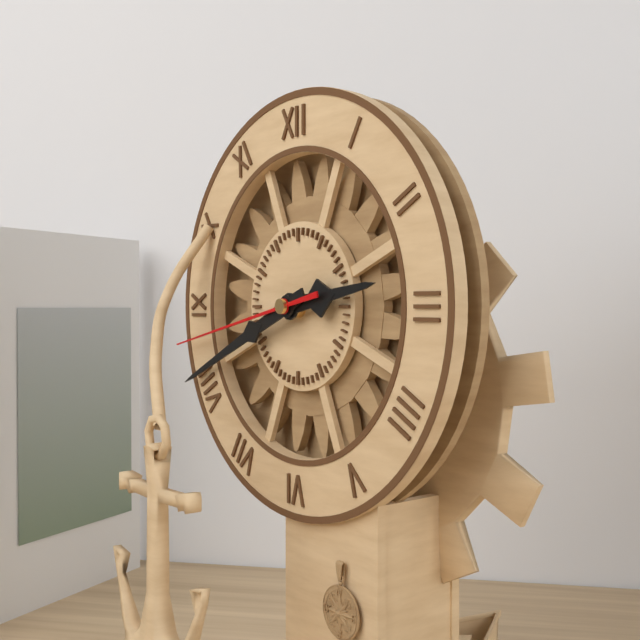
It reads 2h41m43s
